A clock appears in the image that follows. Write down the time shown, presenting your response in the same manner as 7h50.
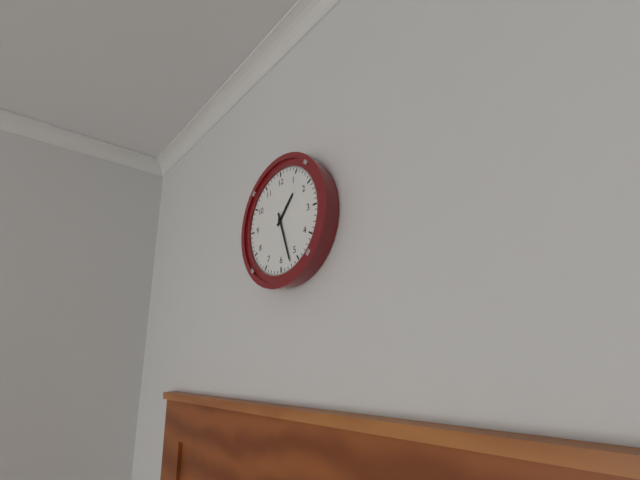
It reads 1h27
